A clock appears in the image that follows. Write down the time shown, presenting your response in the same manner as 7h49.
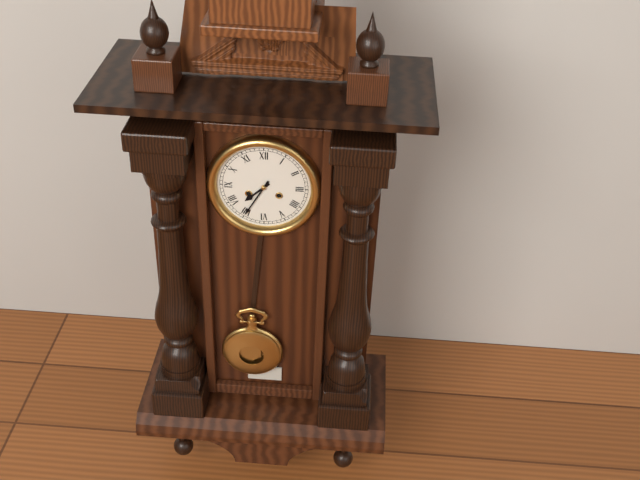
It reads 7h35
